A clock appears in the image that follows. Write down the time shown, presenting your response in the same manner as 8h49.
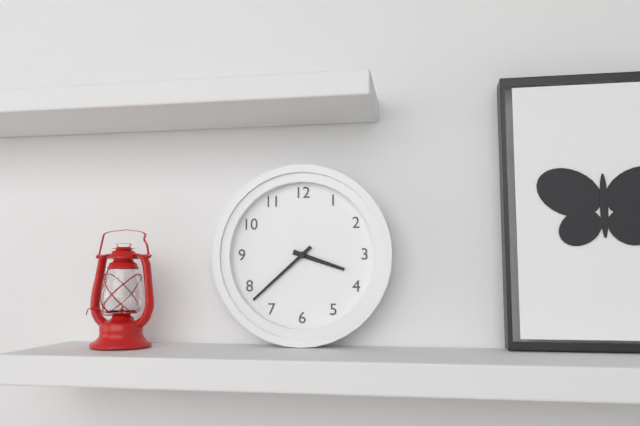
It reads 3h38
